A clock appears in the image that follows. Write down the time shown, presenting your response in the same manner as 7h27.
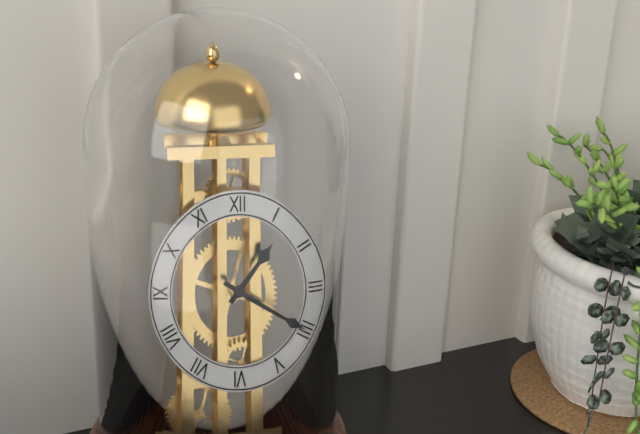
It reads 1h20
